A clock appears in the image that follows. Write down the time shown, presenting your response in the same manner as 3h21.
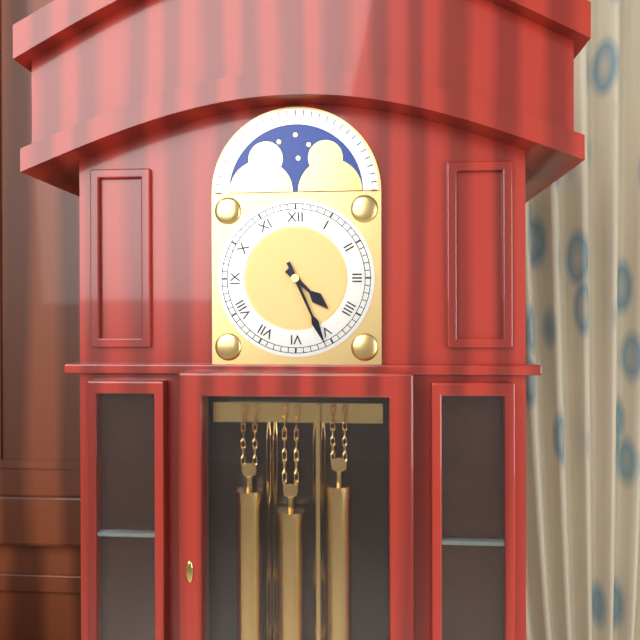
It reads 4h26
